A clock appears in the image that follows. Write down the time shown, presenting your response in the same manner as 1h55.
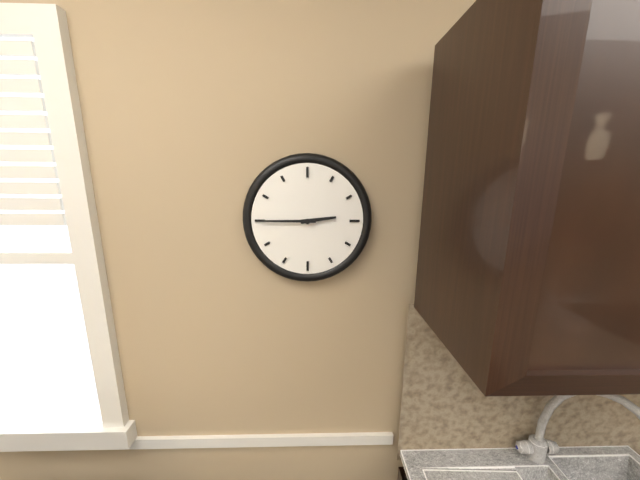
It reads 2h45
